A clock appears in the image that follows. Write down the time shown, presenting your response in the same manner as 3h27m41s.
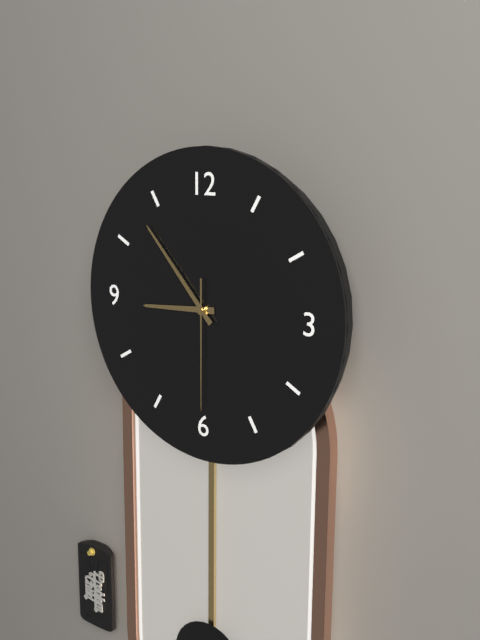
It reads 8h53m30s
